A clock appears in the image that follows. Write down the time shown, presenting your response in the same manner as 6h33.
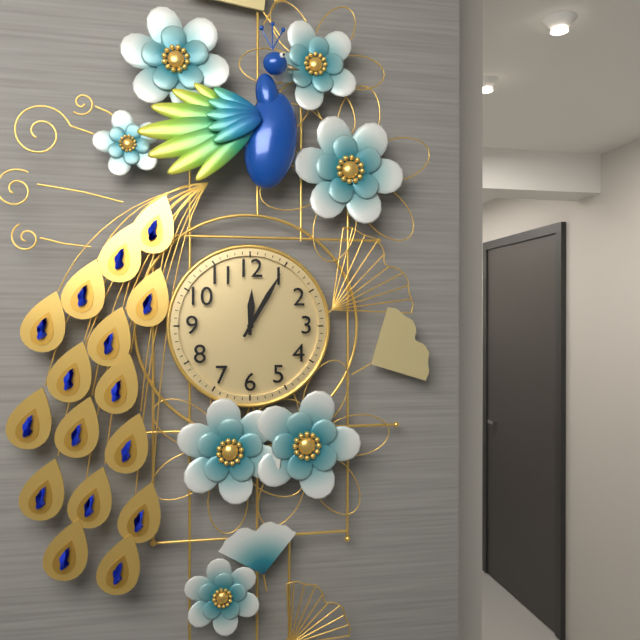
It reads 12h05
